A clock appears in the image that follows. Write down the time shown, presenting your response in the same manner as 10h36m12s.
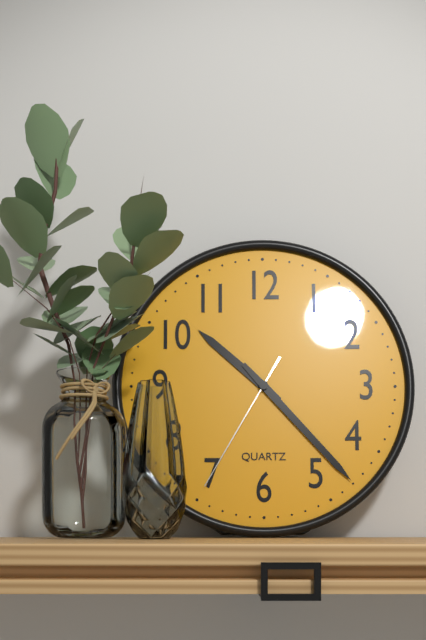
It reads 10h23m35s
